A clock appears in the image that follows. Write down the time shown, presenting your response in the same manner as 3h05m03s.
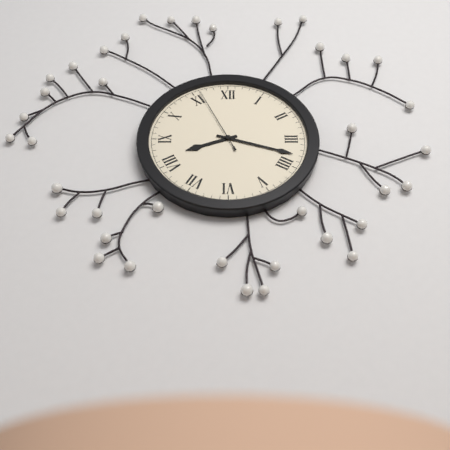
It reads 8h18m56s
